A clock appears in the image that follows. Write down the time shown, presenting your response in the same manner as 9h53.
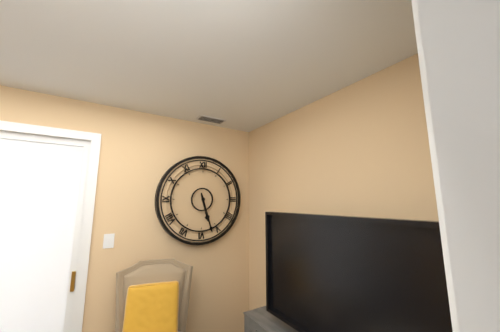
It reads 5h27
